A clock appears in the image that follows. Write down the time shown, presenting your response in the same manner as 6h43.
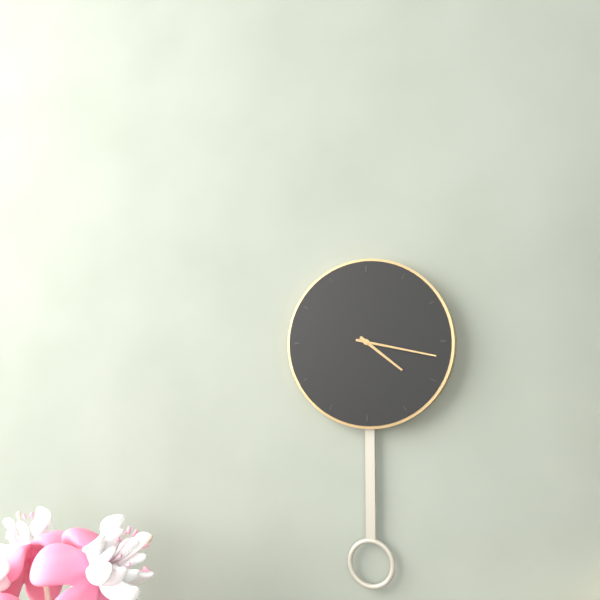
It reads 4h17
